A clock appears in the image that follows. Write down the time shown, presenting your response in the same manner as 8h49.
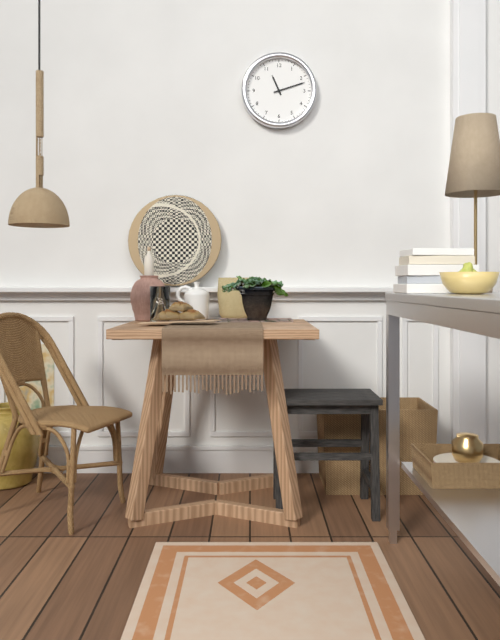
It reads 11h12
